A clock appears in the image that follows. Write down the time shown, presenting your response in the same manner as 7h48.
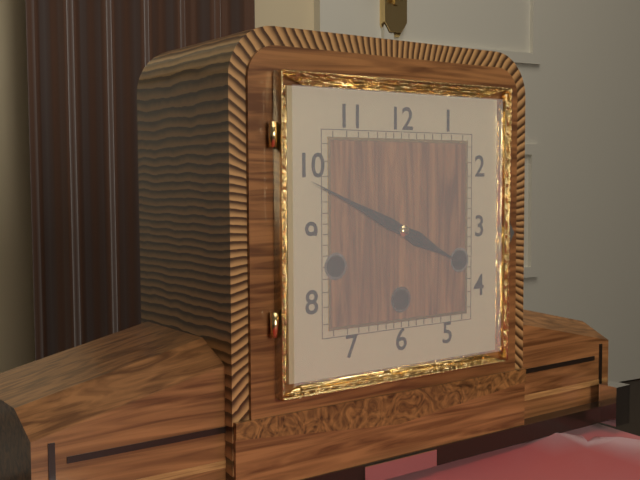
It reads 3h49
